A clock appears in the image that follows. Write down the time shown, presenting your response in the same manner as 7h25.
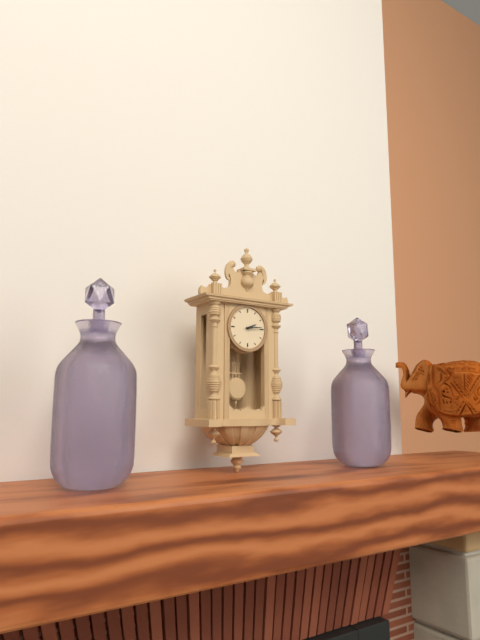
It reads 2h14
